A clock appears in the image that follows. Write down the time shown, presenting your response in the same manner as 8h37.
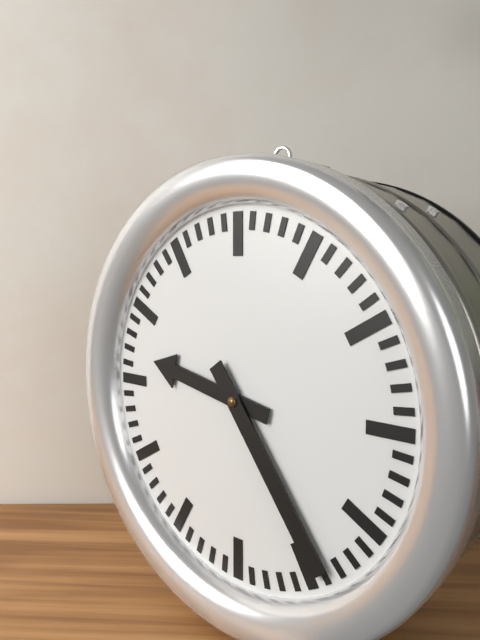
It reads 9h24
